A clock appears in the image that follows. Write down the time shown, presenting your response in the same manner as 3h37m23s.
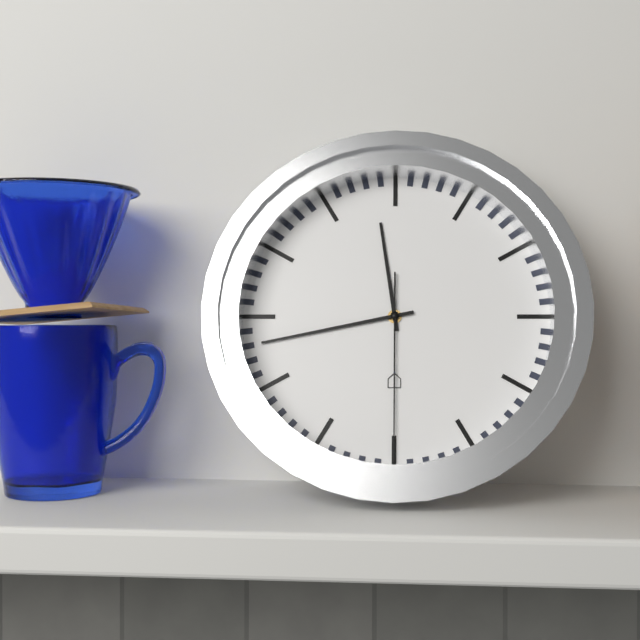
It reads 11h43m30s
